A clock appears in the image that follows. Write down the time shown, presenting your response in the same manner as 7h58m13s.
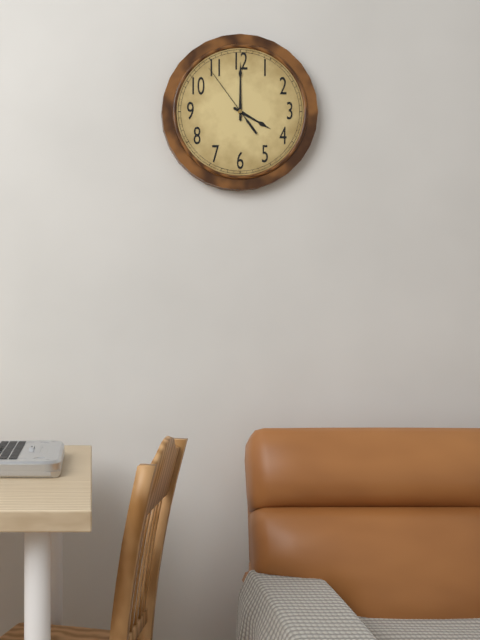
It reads 4h00m54s
